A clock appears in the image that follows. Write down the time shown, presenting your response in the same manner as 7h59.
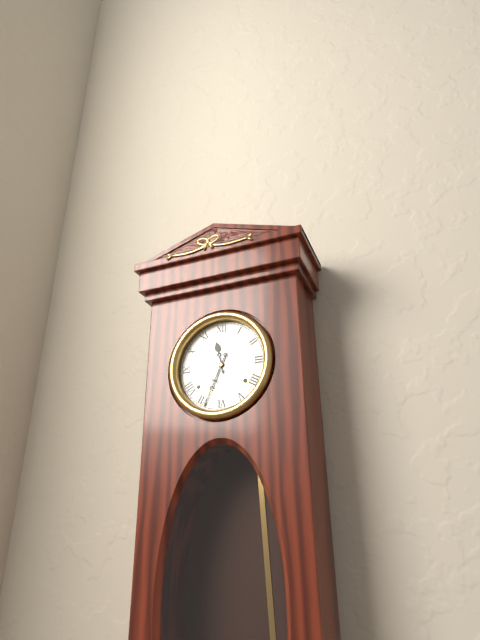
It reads 11h34
